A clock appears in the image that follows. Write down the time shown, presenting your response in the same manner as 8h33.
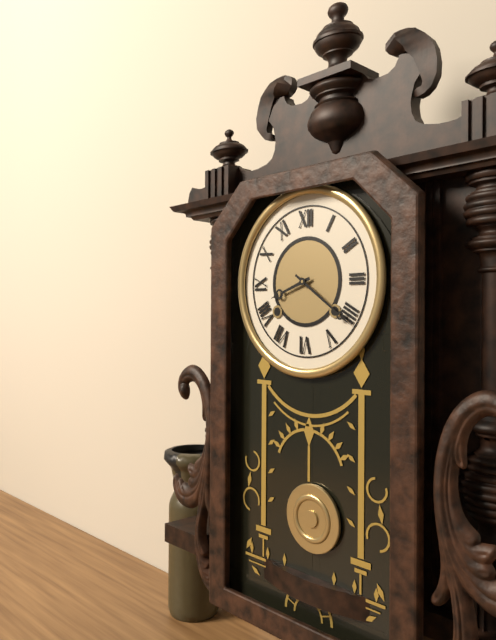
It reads 8h21
